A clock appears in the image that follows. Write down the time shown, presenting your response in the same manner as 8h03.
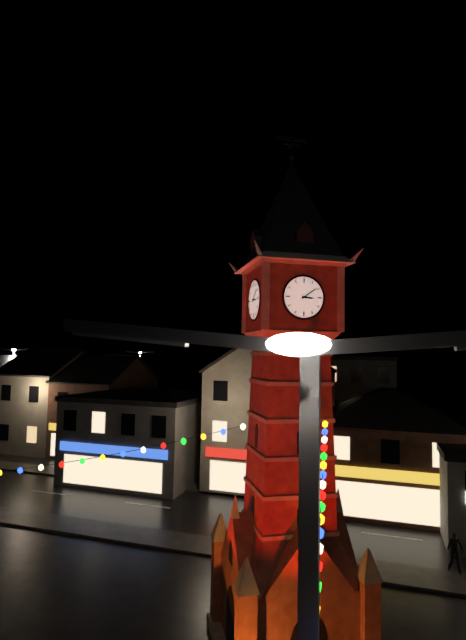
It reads 3h09
